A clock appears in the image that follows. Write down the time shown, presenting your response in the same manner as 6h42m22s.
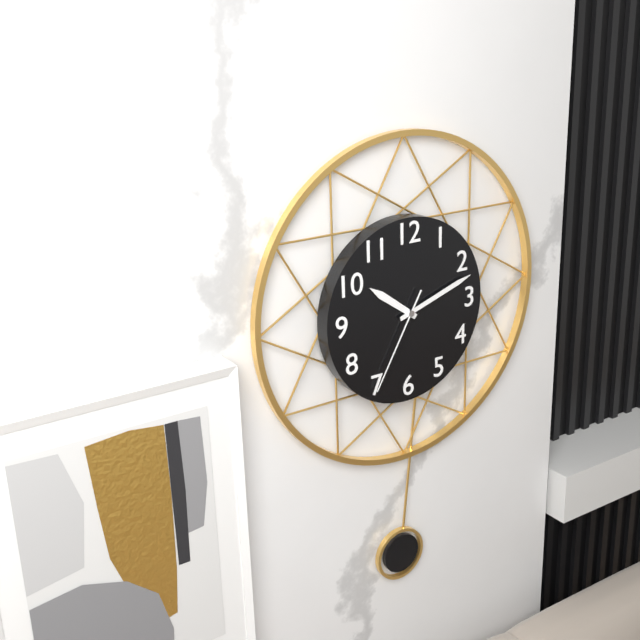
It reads 10h12m35s
